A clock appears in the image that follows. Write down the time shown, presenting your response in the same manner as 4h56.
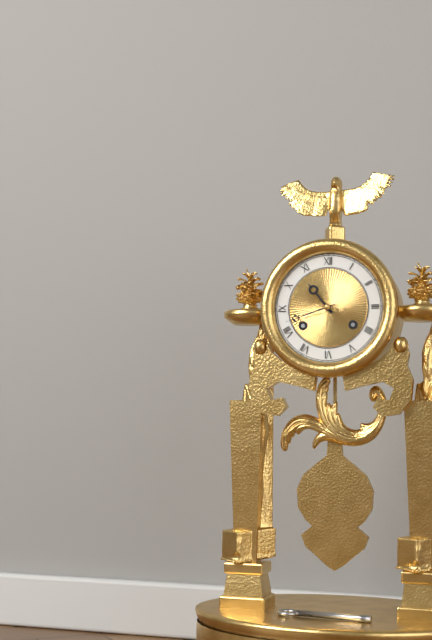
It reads 10h42
